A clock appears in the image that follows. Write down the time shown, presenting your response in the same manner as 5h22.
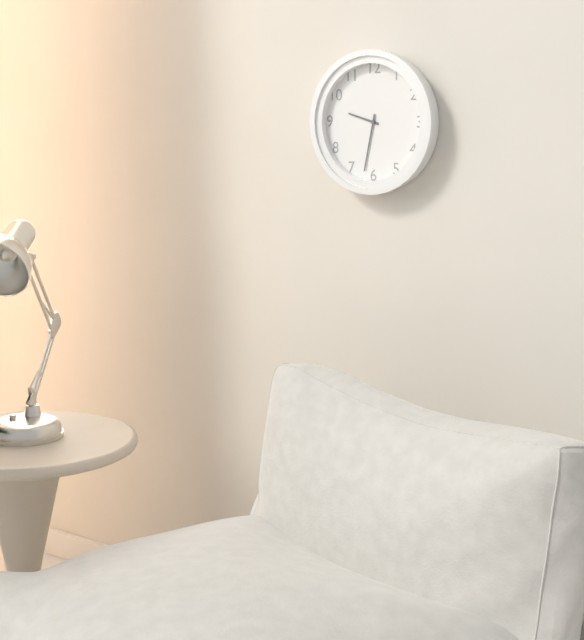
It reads 9h32
